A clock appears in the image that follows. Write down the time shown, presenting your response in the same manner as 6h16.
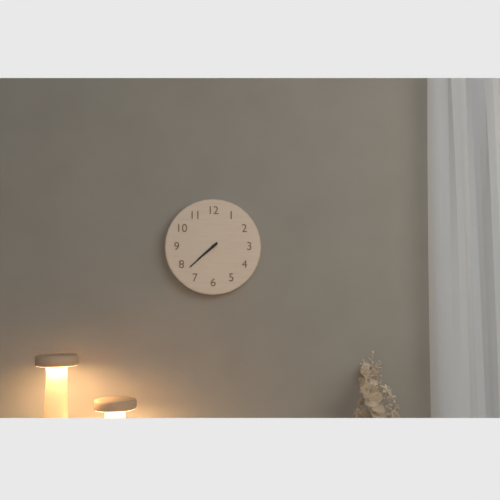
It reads 7h38
